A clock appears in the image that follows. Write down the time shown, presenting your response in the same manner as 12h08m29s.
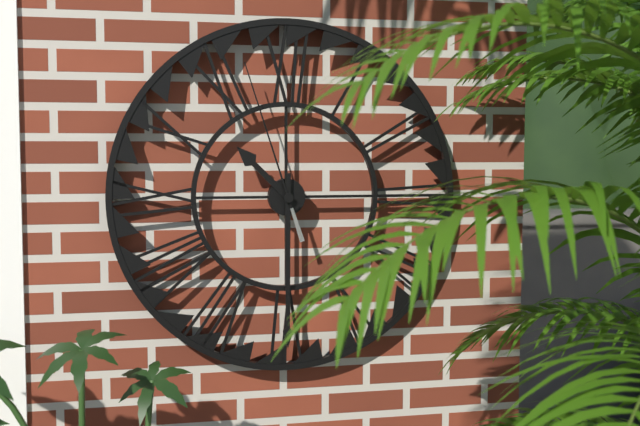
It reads 10h30m57s
